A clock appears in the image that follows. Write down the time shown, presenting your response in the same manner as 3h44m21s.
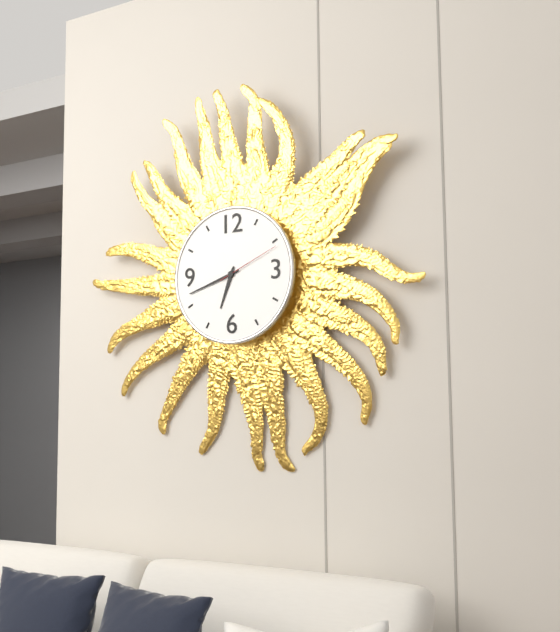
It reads 6h42m11s
